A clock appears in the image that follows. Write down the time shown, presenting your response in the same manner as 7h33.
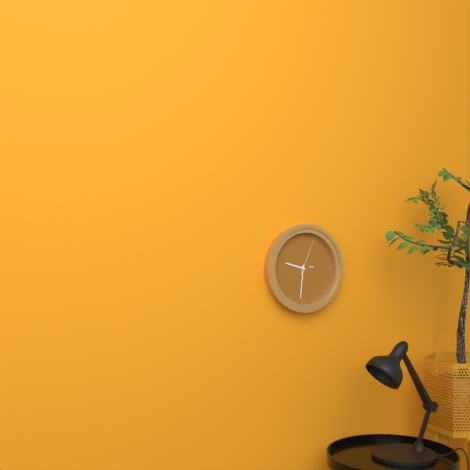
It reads 9h31
